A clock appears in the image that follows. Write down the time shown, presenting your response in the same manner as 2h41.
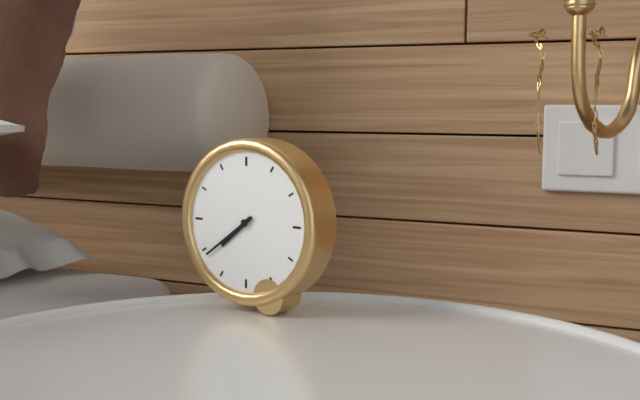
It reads 7h39
